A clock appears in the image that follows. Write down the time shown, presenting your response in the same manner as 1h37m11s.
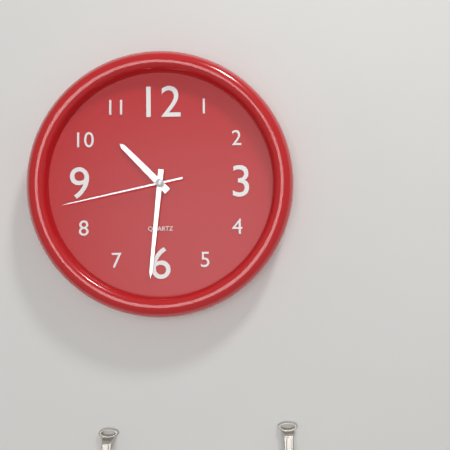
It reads 10h31m43s
